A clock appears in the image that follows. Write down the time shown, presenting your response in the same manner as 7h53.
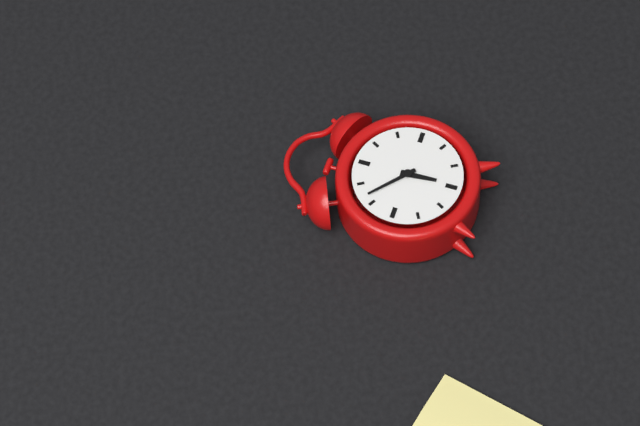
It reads 5h52
